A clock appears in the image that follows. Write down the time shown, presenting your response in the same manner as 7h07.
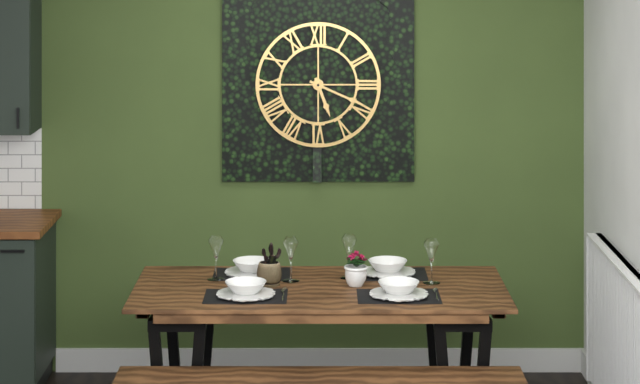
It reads 5h19
